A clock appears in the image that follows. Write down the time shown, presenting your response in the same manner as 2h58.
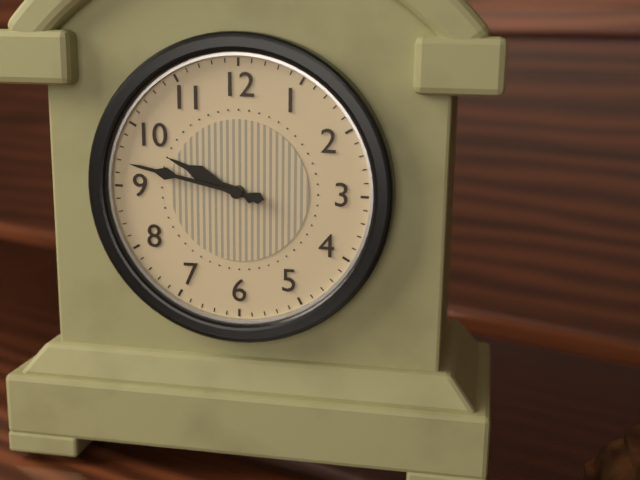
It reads 9h47
